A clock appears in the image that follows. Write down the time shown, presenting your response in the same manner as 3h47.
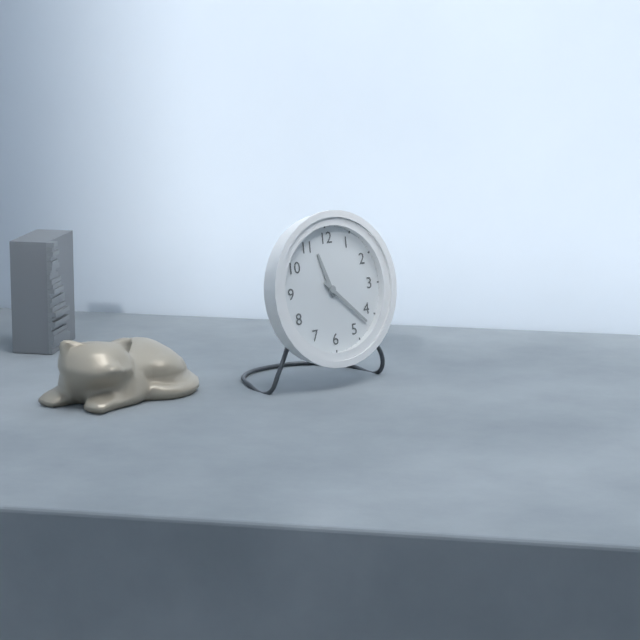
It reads 11h22
